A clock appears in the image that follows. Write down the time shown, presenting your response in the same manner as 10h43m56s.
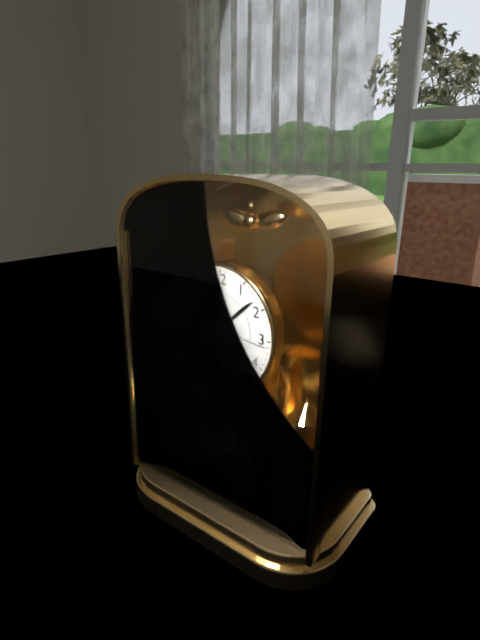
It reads 10h08m16s
